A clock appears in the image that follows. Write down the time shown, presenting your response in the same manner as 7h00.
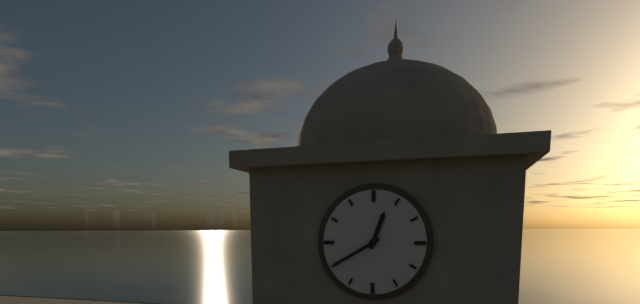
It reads 12h40
